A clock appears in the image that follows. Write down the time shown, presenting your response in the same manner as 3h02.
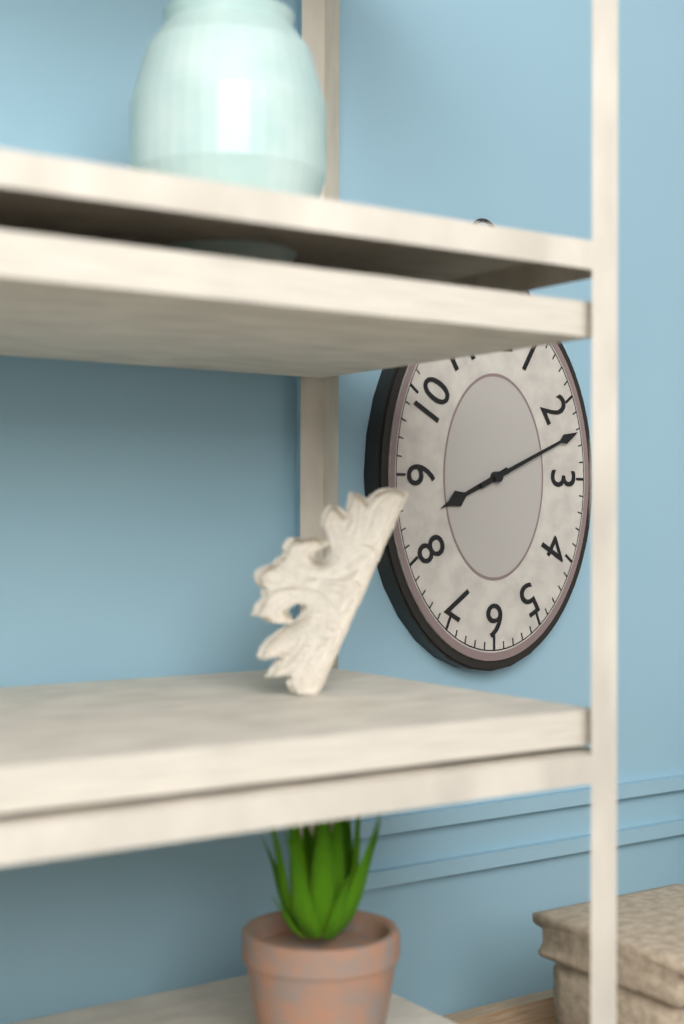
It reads 8h11
